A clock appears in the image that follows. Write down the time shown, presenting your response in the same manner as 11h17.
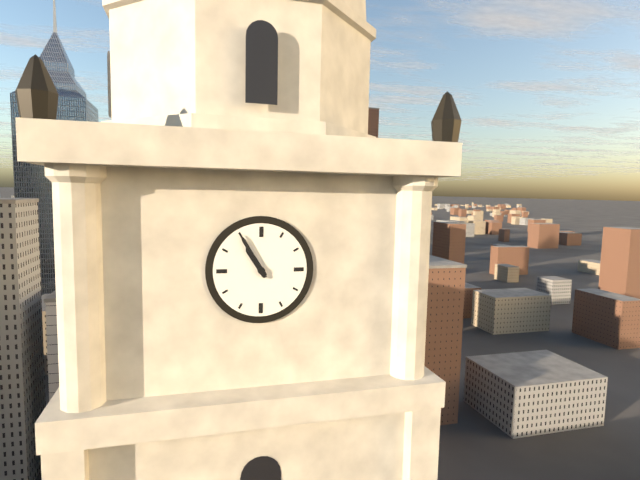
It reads 10h55
